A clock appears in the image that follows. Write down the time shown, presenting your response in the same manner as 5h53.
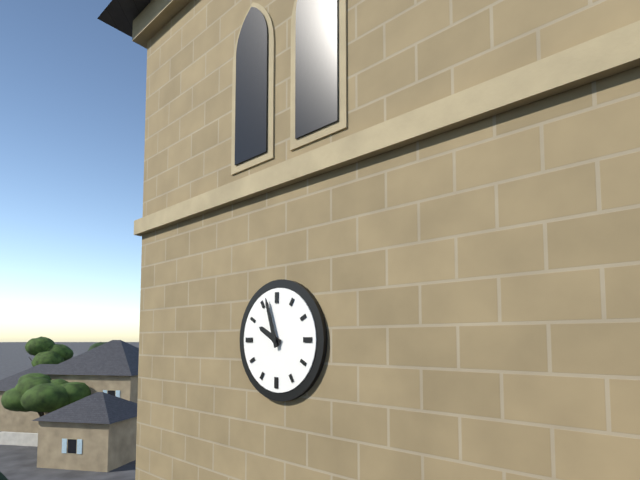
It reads 9h57
